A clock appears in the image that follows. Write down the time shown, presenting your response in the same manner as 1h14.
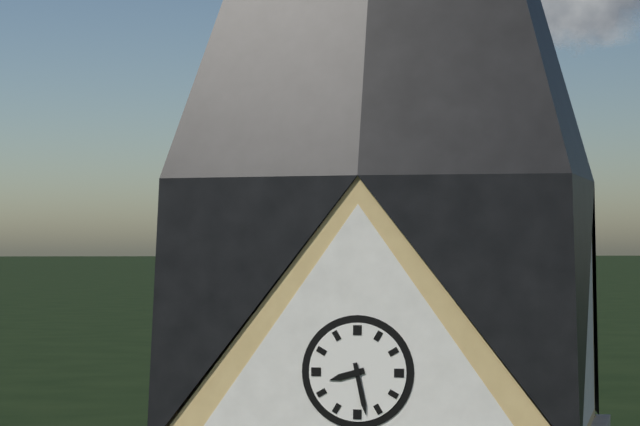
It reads 8h28
